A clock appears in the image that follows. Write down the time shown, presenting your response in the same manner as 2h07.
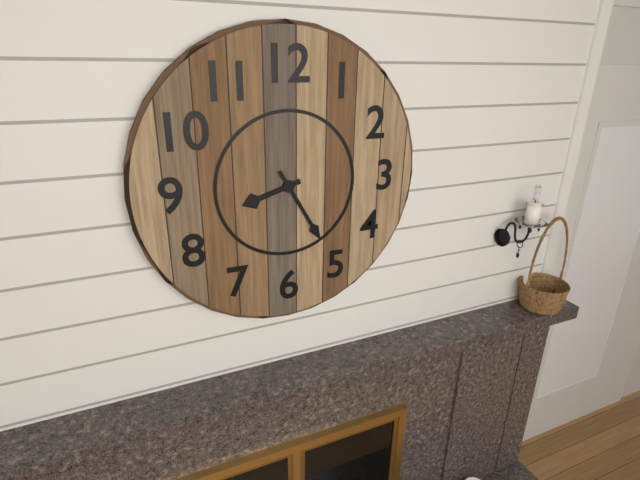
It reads 8h25
